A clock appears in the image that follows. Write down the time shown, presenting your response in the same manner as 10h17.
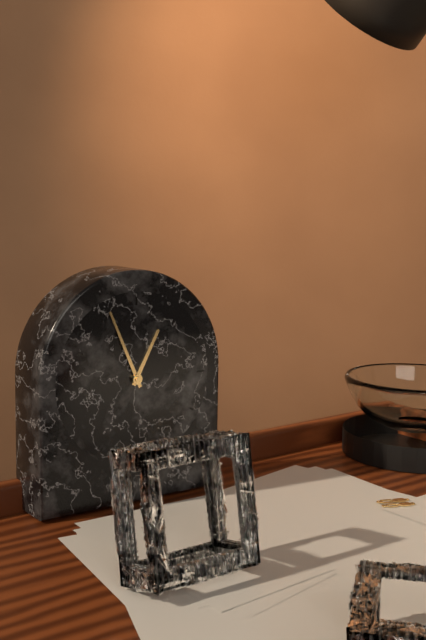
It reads 12h56
